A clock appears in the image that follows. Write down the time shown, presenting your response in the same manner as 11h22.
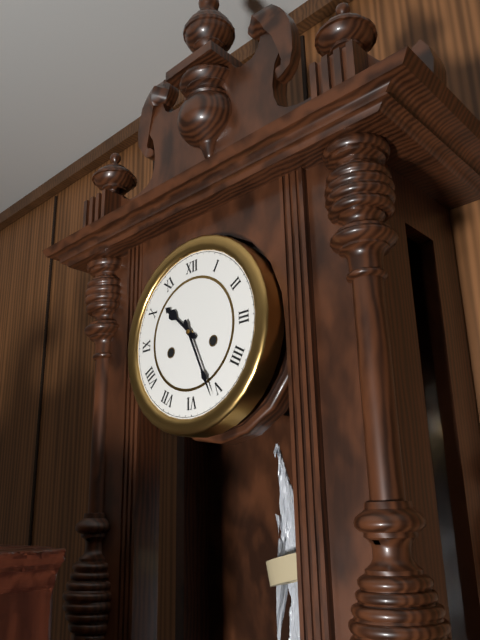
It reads 10h26
